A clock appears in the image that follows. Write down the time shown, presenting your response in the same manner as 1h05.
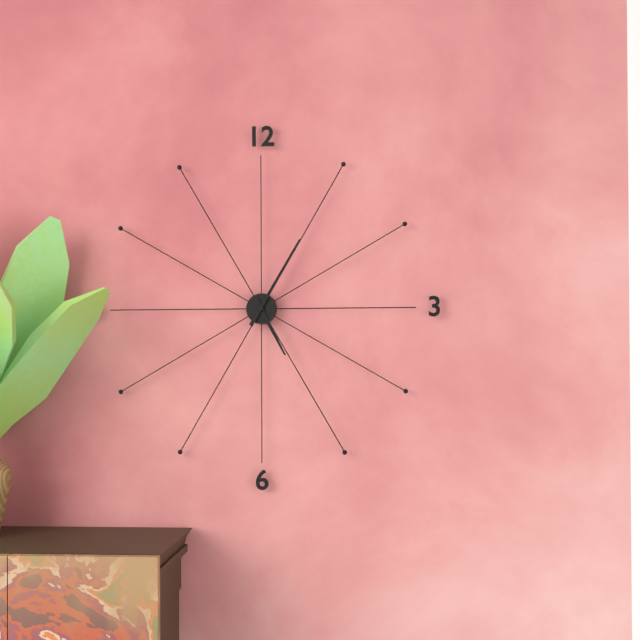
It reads 5h05
